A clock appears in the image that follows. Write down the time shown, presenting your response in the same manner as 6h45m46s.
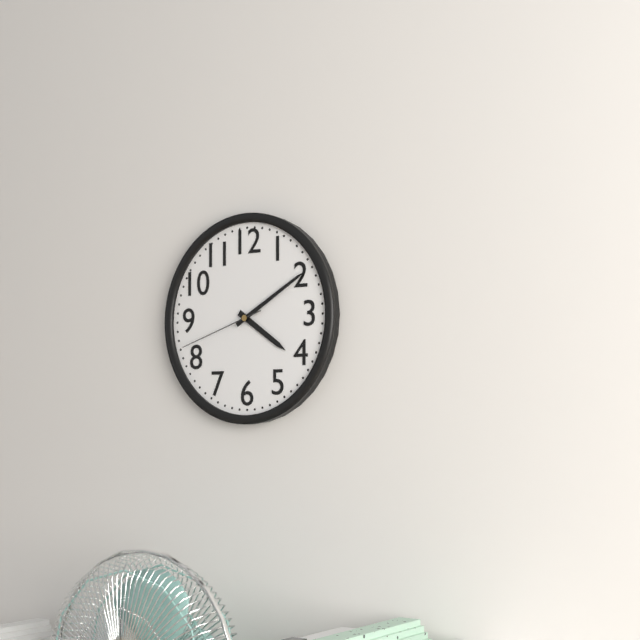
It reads 4h10m42s
